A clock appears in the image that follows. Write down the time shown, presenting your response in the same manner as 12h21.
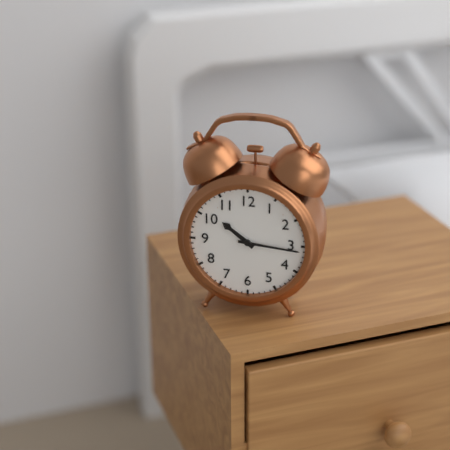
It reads 10h16
